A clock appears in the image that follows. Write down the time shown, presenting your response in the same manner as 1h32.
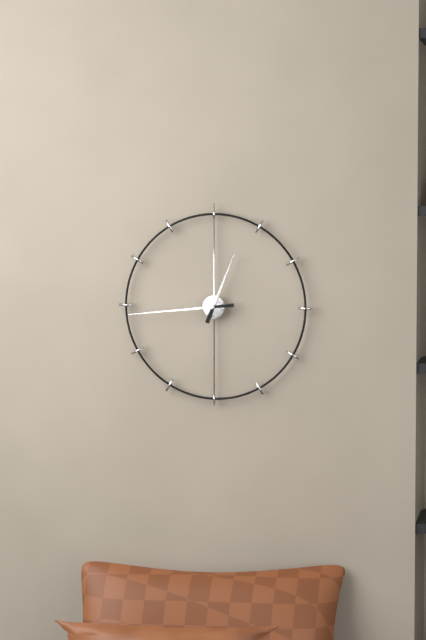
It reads 12h44
